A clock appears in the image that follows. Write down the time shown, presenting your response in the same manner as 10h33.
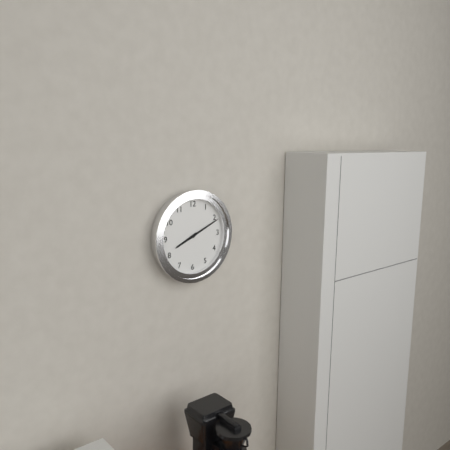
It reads 8h11
